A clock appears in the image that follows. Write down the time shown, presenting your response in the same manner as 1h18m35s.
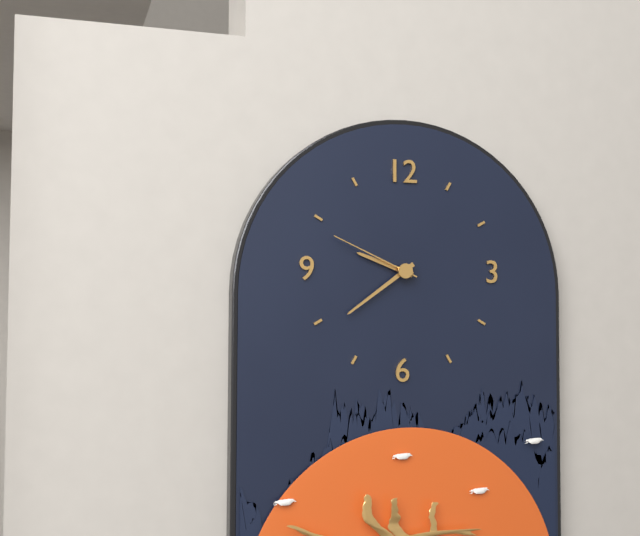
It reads 9h39m49s
